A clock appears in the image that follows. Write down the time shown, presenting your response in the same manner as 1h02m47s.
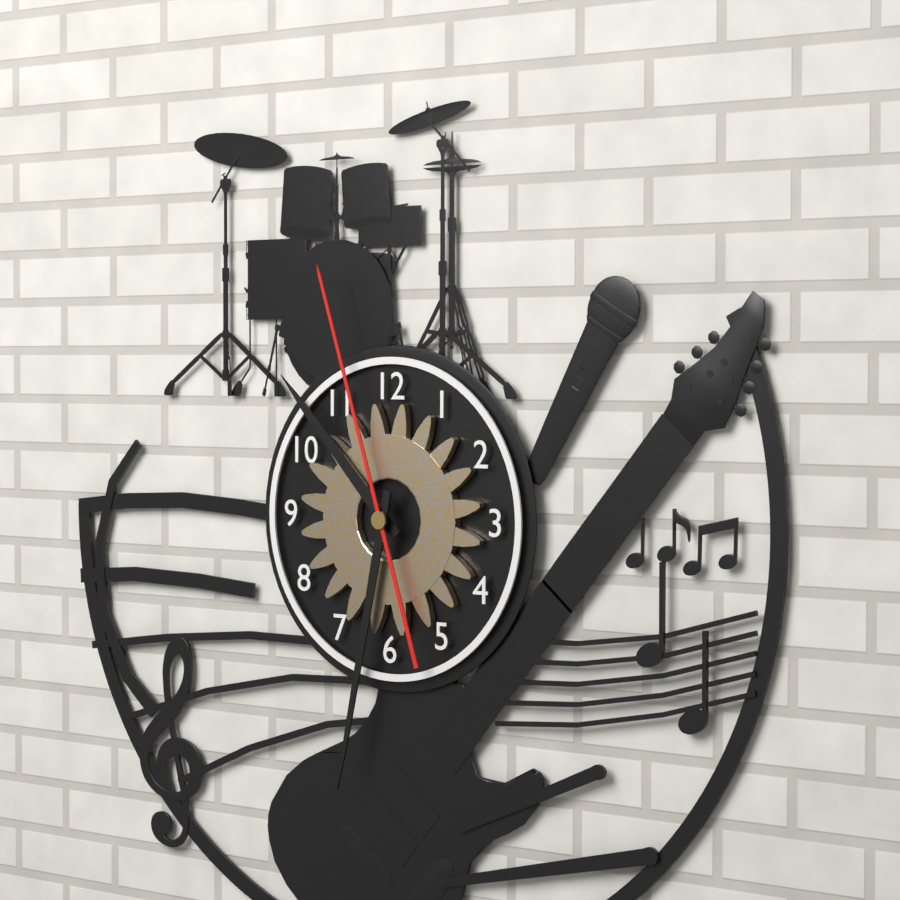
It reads 10h32m57s
